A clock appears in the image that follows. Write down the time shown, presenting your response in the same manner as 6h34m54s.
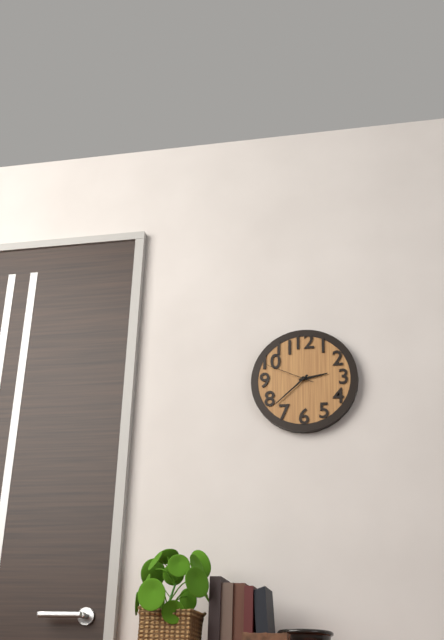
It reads 2h38m49s
